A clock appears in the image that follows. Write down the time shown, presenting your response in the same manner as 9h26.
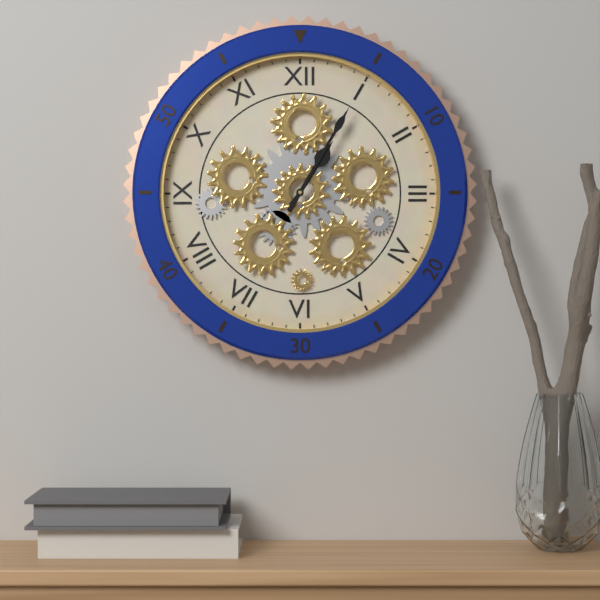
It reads 1h05
